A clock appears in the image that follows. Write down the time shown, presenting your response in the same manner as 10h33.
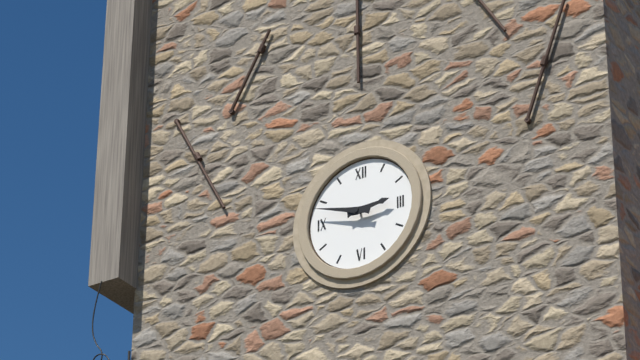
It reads 2h48
